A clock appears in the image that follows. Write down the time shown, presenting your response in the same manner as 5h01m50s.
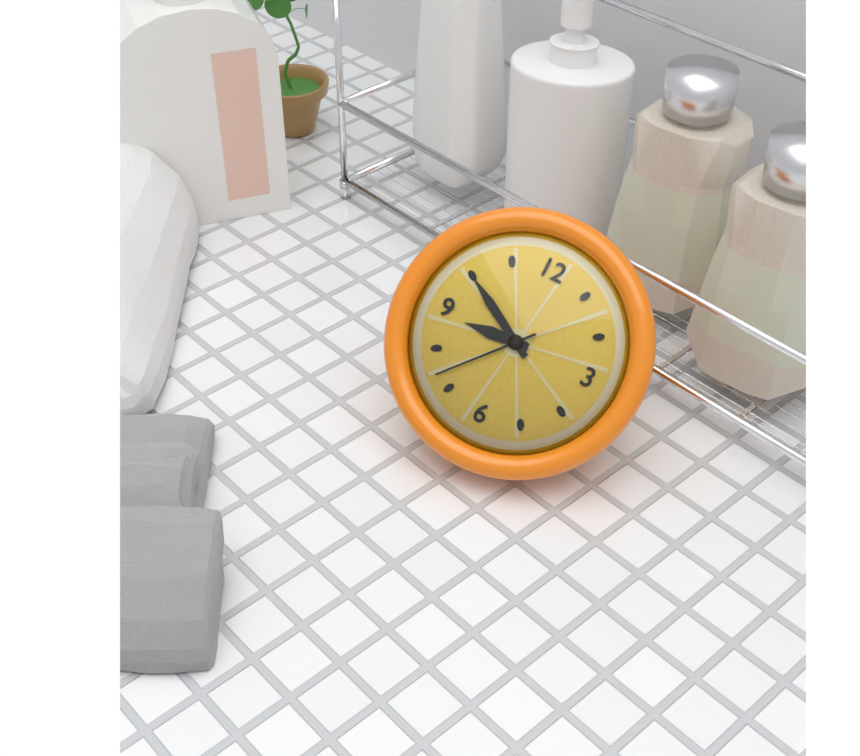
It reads 8h50m37s
